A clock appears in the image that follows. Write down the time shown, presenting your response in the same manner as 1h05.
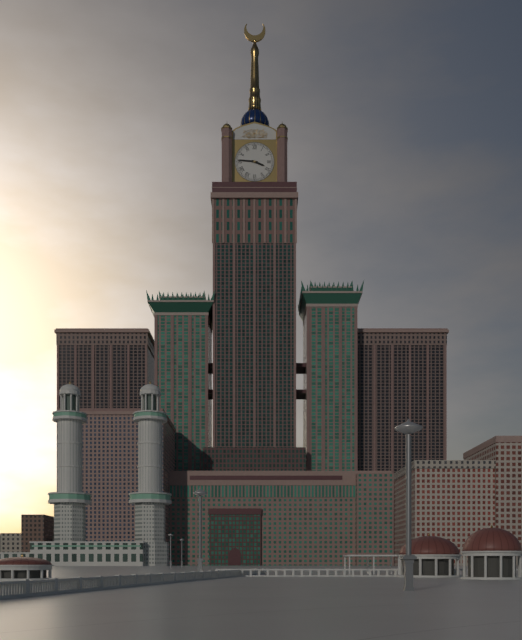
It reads 3h46
